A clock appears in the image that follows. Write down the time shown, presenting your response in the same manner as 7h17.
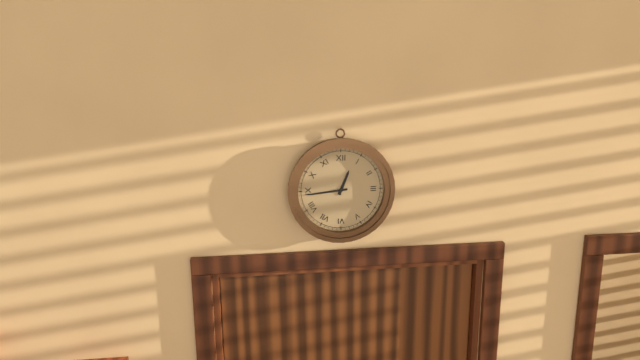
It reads 12h44
